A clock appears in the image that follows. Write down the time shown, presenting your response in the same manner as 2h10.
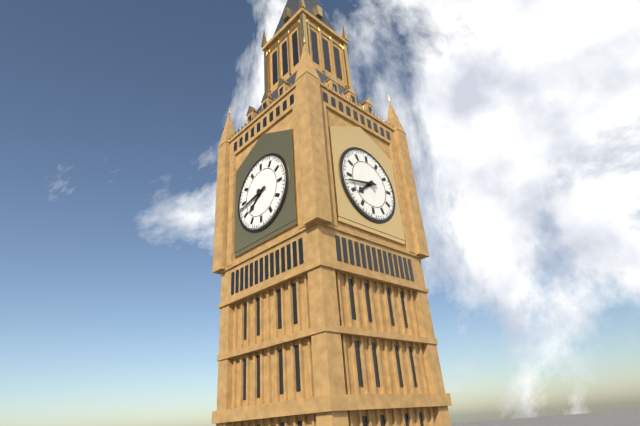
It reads 7h43
